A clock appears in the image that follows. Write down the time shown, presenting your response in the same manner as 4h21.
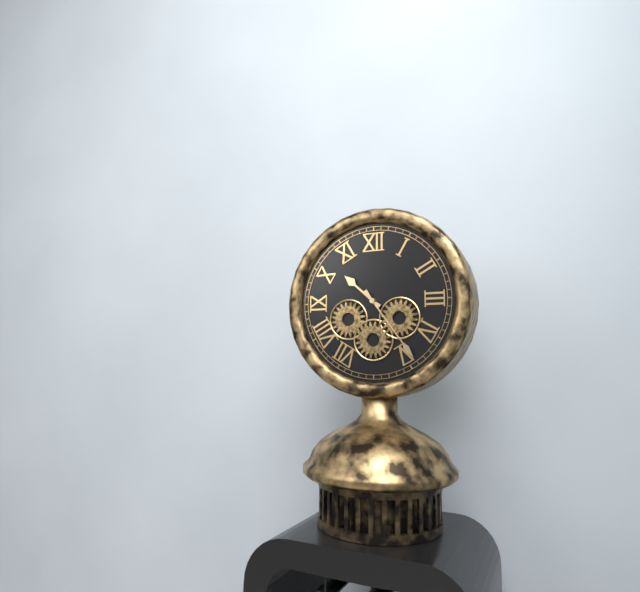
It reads 10h24
